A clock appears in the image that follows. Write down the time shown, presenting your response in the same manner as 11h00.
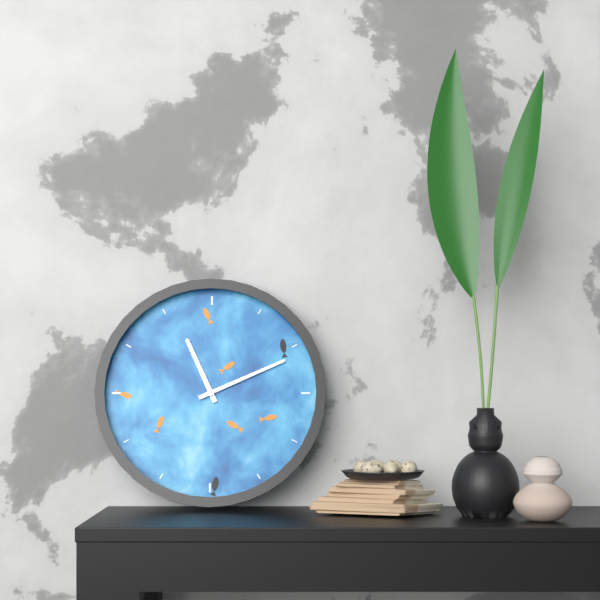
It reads 11h11
